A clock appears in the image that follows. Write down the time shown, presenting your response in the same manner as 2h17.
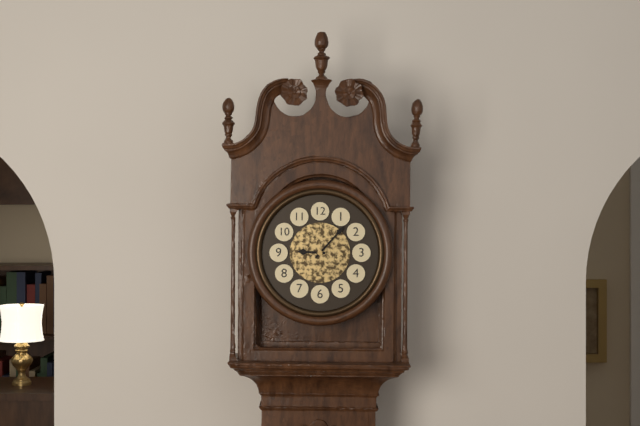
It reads 9h07
